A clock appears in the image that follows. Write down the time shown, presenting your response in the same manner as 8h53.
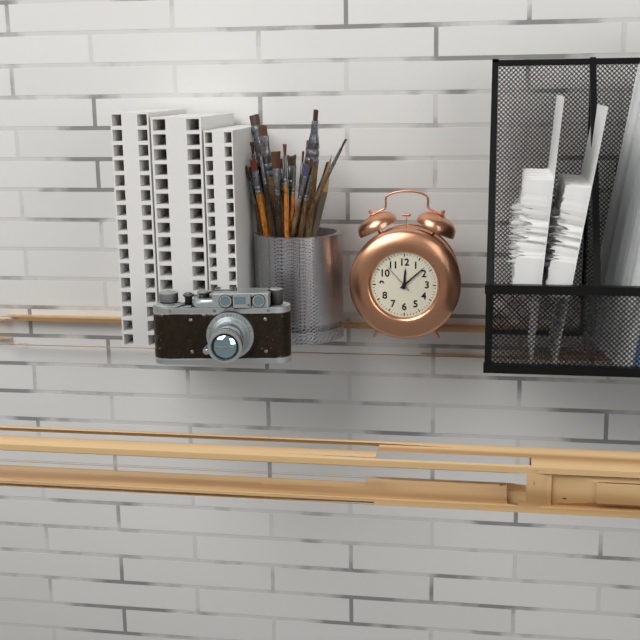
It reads 12h08
